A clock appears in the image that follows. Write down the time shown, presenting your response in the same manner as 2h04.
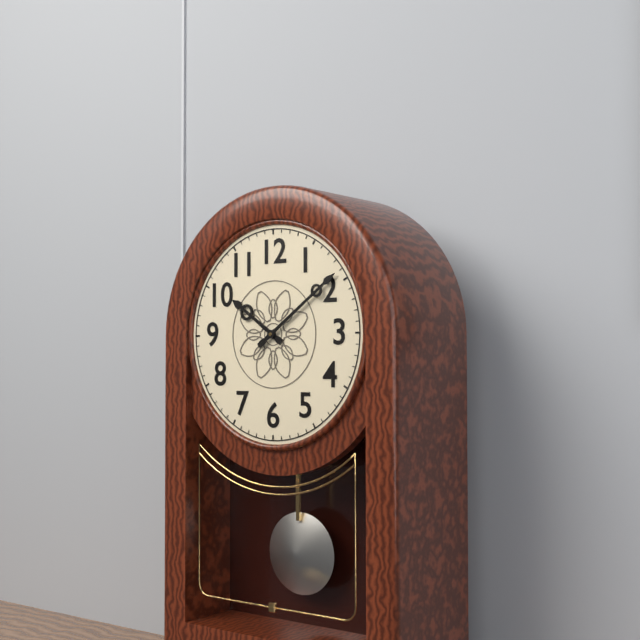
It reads 10h09
